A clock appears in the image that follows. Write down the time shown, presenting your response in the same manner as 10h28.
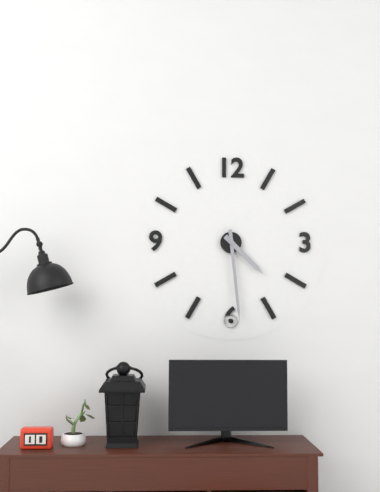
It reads 4h29
